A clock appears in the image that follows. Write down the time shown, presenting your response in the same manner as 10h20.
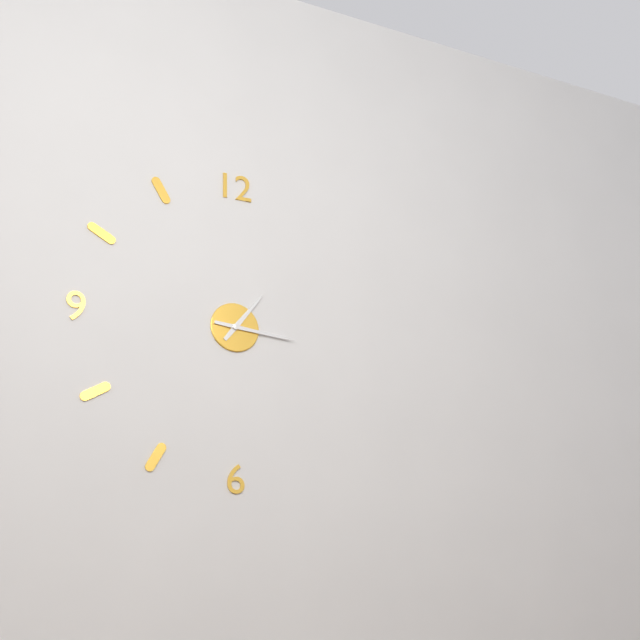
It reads 1h16
